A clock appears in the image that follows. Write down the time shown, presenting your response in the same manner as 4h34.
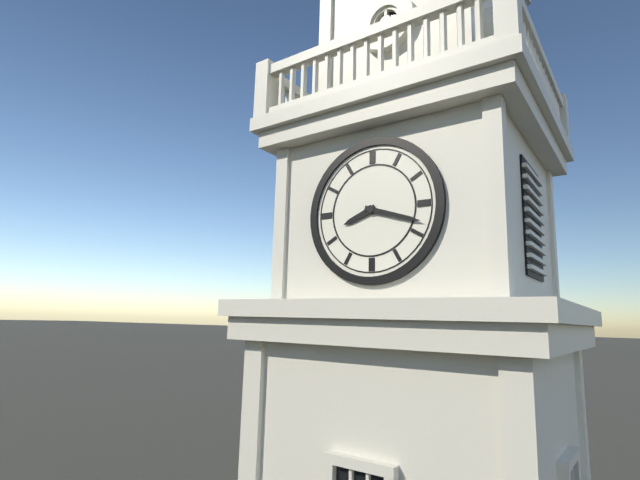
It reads 8h18
